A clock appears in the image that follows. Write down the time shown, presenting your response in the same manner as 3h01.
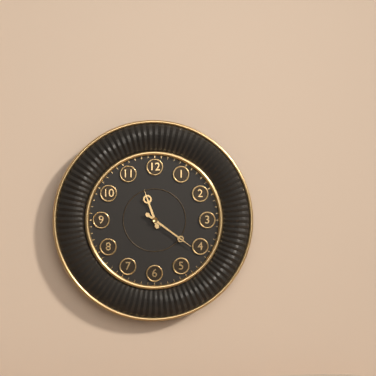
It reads 11h21
